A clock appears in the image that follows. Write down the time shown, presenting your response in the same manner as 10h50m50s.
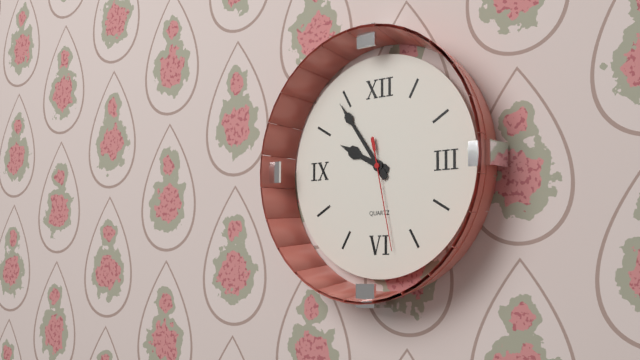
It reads 9h54m28s
